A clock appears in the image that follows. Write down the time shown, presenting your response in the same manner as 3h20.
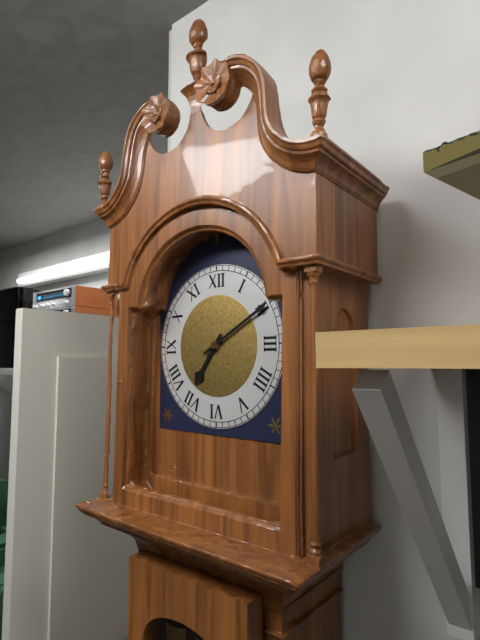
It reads 7h10
